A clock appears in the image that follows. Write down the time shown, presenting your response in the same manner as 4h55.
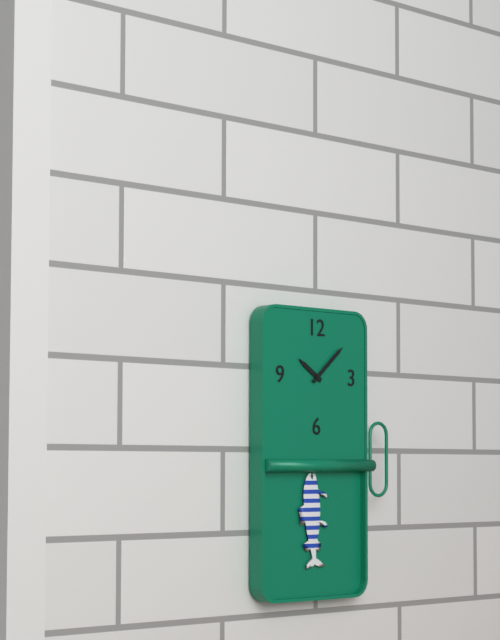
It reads 10h08
